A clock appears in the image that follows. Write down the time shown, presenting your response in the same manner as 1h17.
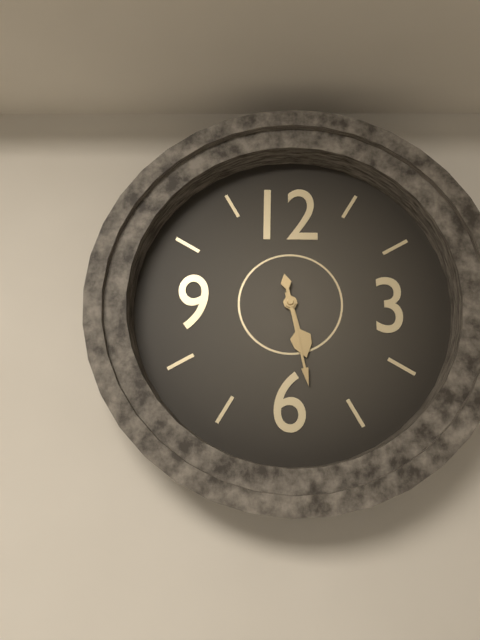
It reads 5h28
